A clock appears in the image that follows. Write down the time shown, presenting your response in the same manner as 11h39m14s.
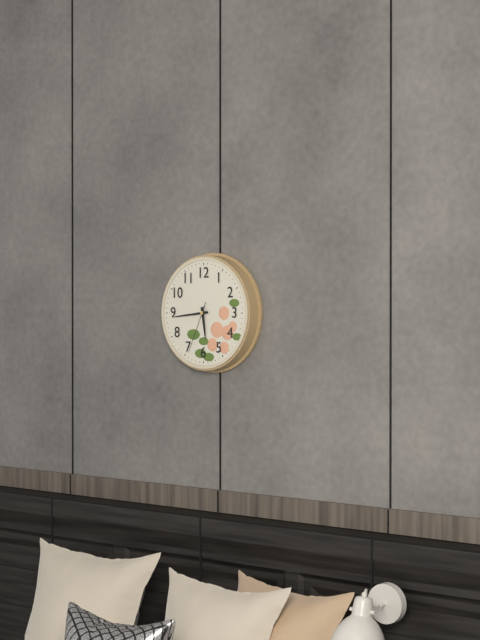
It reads 5h44m34s
